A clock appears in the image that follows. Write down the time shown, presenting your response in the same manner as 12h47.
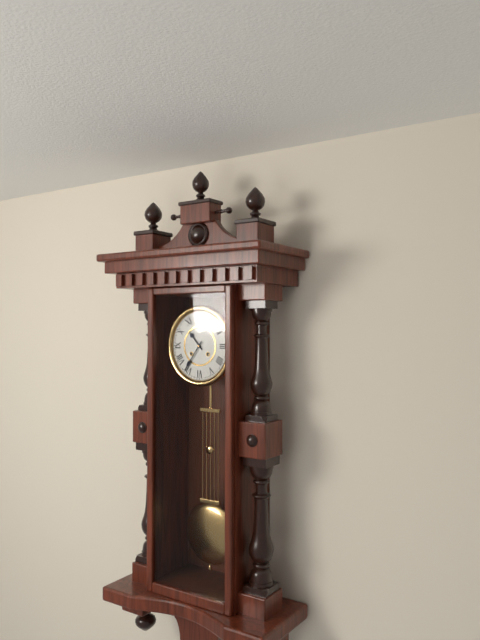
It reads 10h36
